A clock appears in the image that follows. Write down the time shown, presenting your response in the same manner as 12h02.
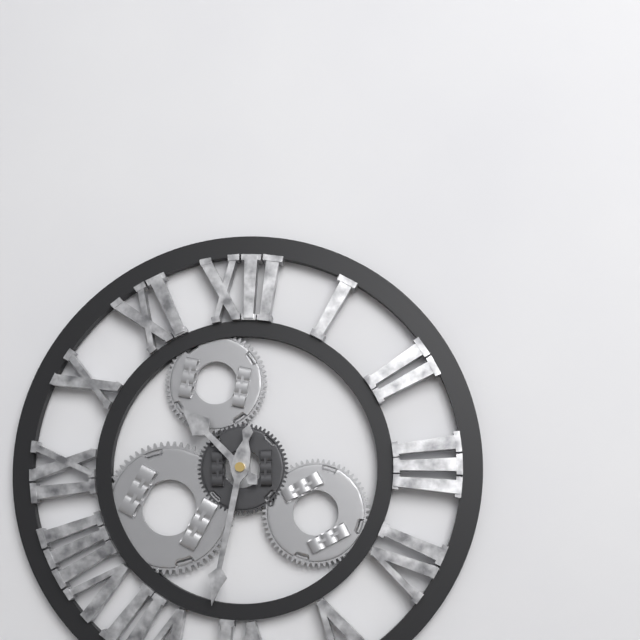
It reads 10h32
